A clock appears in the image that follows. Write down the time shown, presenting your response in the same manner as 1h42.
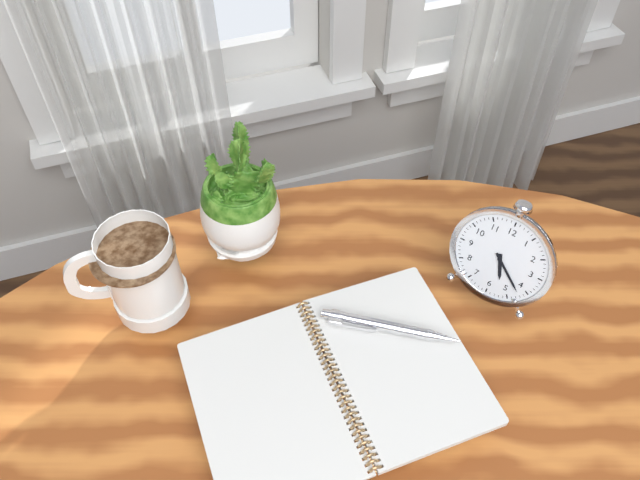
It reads 5h22
